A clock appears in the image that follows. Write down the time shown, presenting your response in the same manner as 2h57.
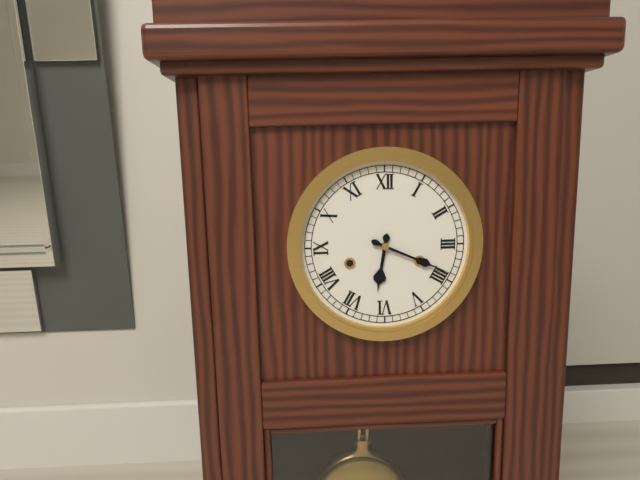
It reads 6h19
